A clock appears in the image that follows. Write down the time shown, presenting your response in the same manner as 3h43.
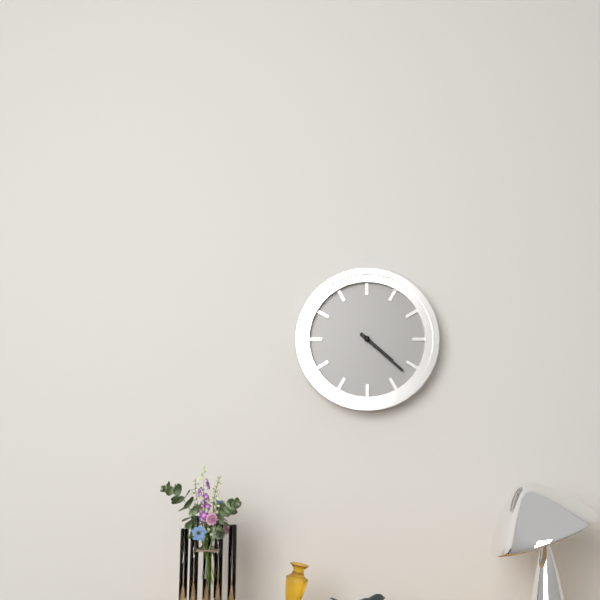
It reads 4h22
